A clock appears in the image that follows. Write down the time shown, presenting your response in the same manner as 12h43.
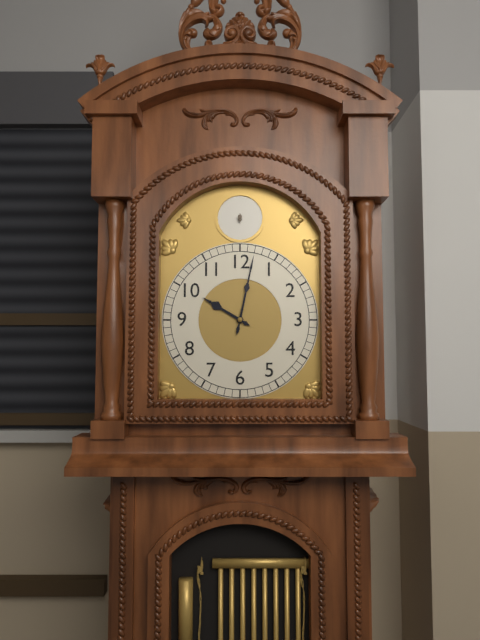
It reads 10h02
